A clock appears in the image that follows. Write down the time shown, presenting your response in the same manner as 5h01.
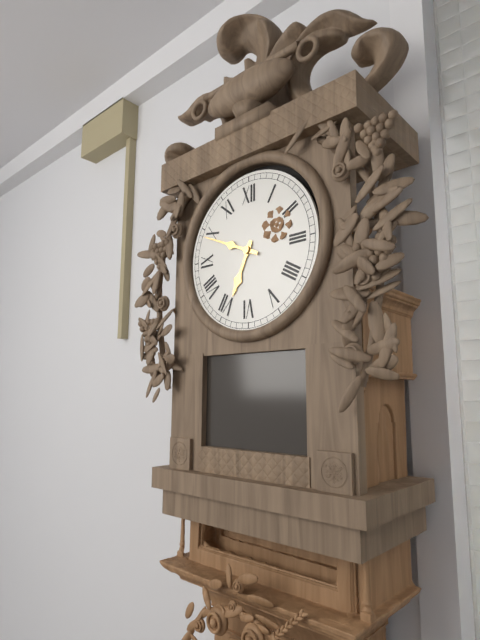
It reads 6h49
